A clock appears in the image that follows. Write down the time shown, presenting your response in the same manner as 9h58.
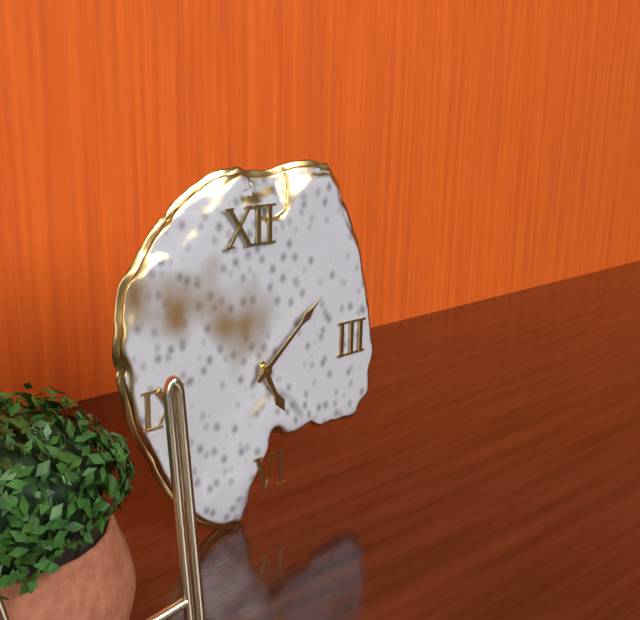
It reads 5h08
